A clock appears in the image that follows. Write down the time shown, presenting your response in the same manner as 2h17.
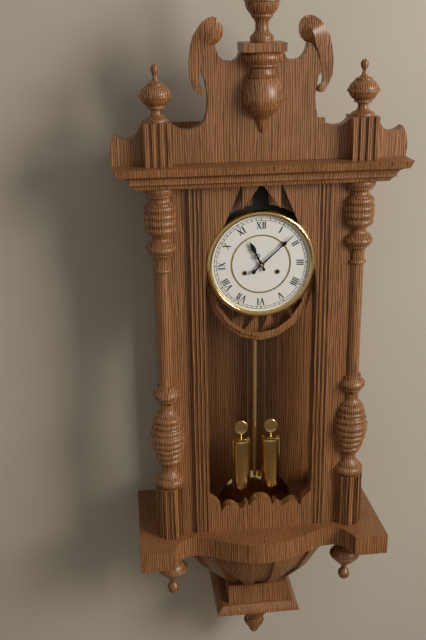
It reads 11h08
